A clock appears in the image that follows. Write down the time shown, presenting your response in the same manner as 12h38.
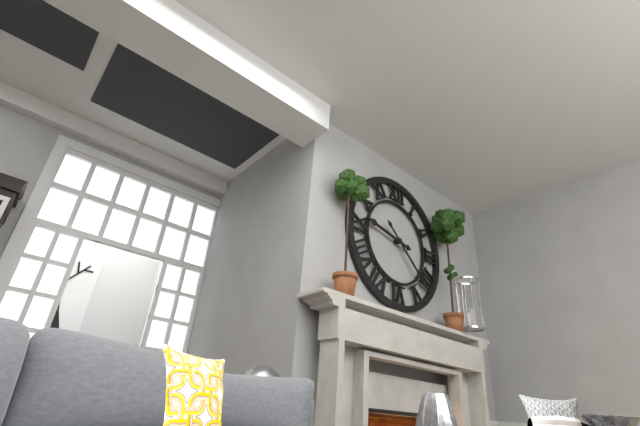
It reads 9h22
